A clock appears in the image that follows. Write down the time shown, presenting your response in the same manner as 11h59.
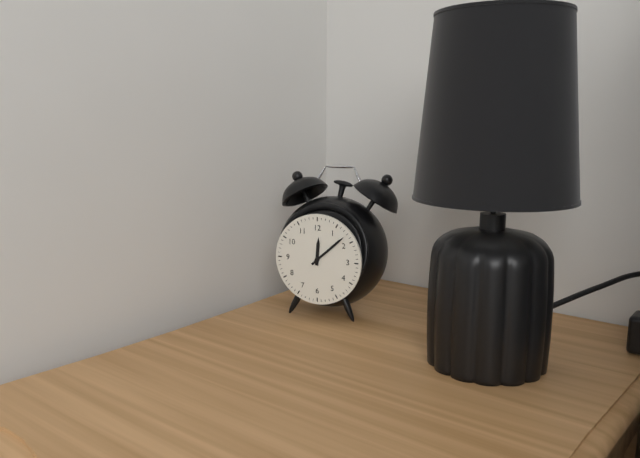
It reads 12h08
